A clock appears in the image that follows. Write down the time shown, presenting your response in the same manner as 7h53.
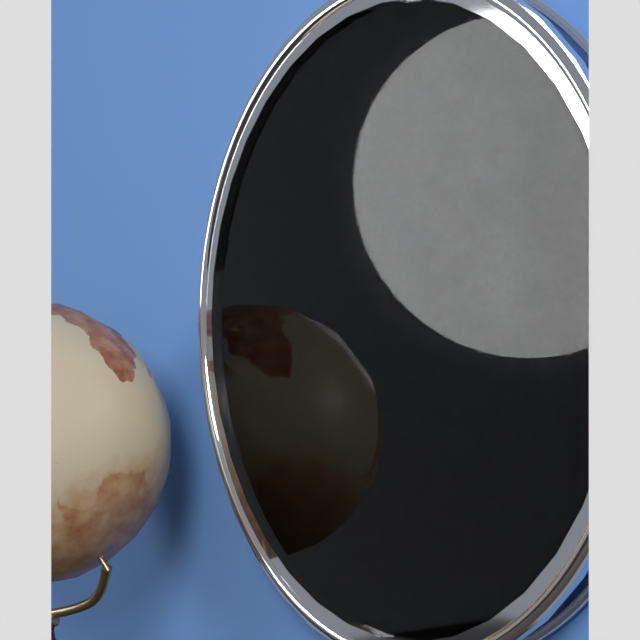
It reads 12h11
